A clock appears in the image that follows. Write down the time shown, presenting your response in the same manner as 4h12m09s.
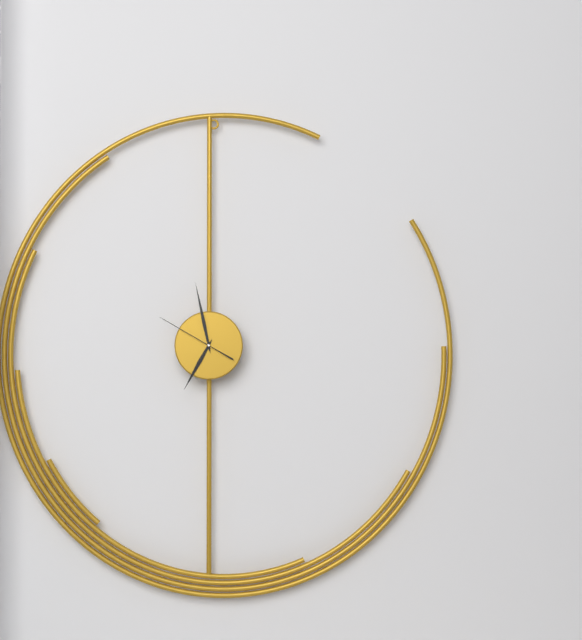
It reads 6h58m50s
